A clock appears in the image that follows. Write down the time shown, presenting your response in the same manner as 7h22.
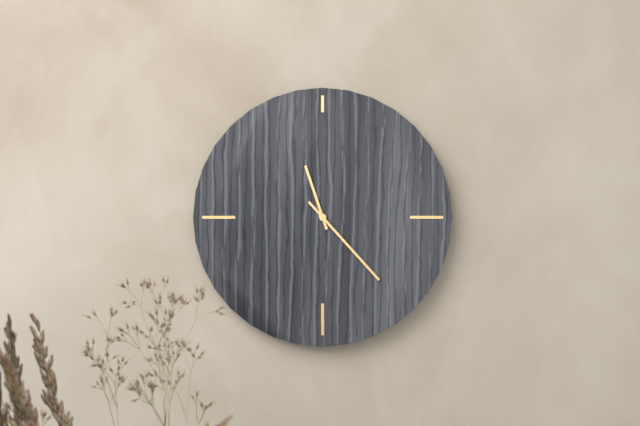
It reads 11h23
